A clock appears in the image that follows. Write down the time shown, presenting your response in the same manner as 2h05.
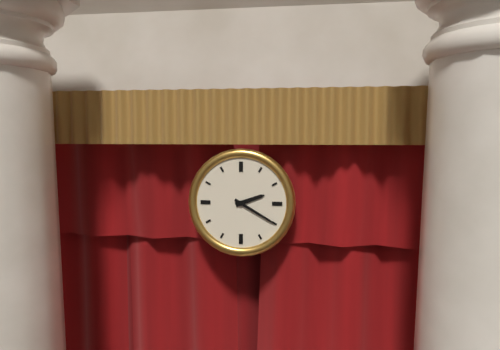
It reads 2h20
